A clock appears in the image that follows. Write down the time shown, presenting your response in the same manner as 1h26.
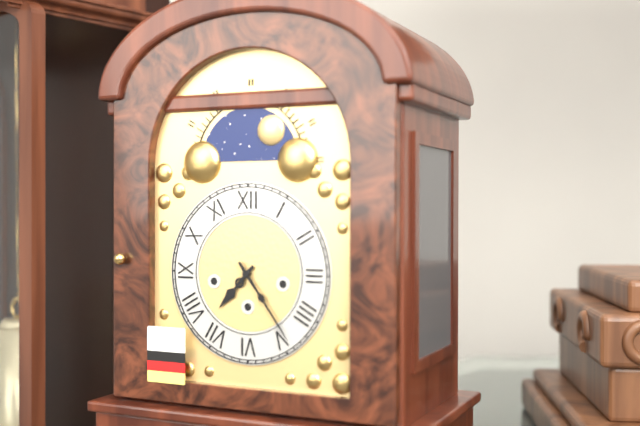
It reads 7h24
